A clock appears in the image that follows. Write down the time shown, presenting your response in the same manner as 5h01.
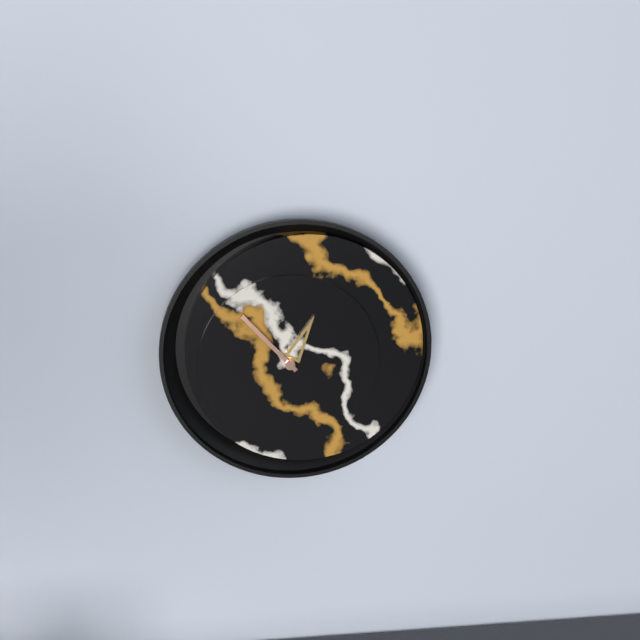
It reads 12h53
